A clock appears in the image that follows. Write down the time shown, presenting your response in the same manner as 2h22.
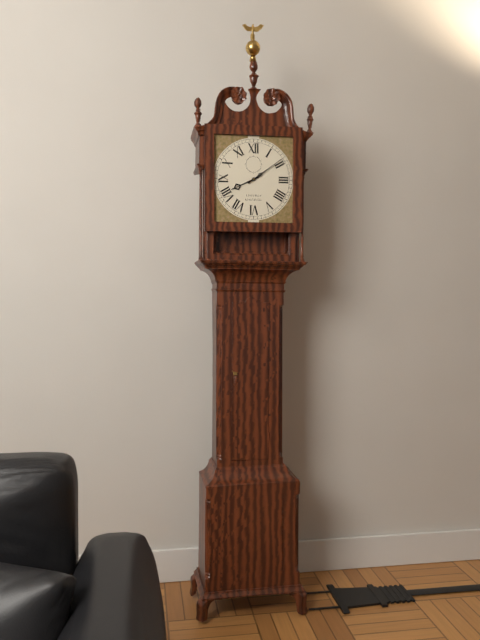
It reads 8h09
